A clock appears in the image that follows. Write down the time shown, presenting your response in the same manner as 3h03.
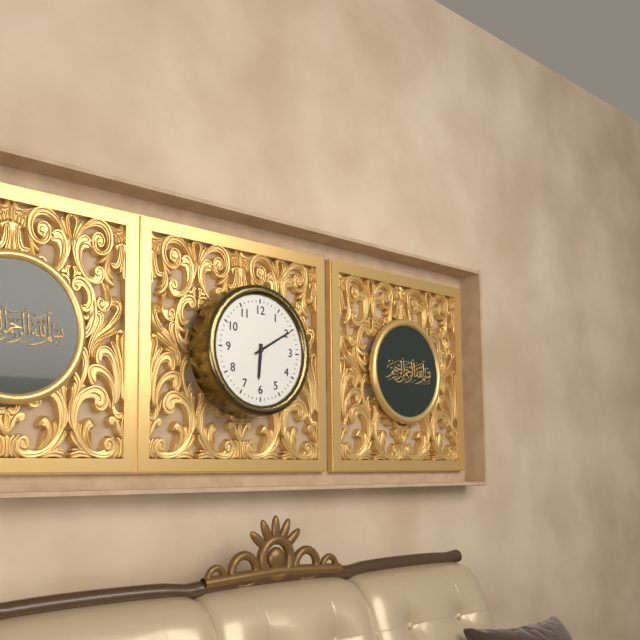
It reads 6h10
